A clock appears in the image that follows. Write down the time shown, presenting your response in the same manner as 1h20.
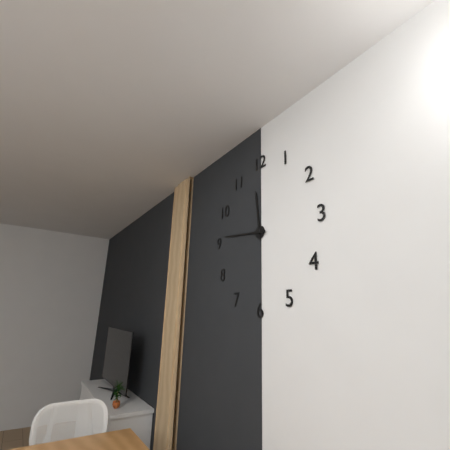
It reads 11h46
